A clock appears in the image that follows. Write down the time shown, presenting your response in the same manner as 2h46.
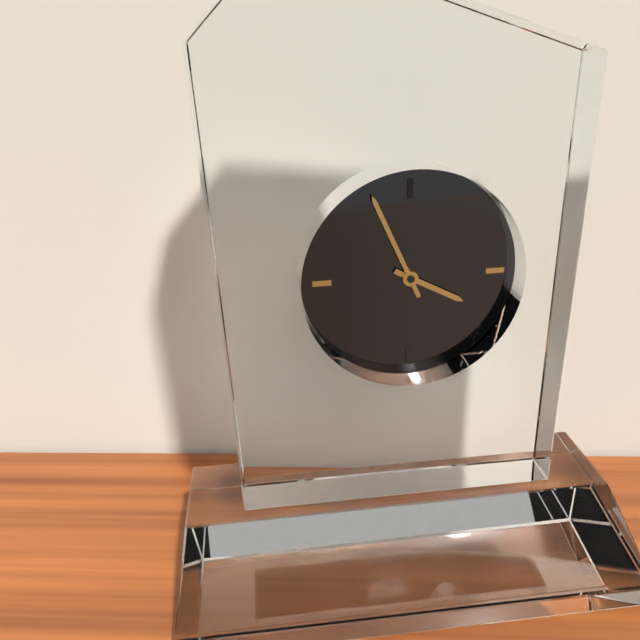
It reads 3h56
